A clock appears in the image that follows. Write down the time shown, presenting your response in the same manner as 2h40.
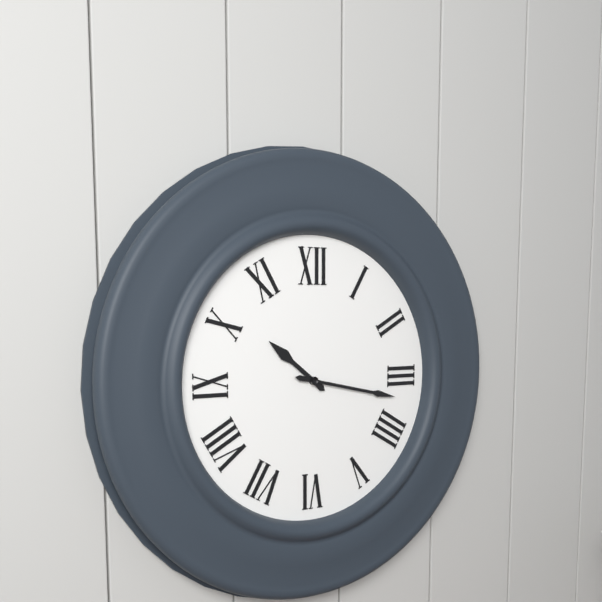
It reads 10h17
